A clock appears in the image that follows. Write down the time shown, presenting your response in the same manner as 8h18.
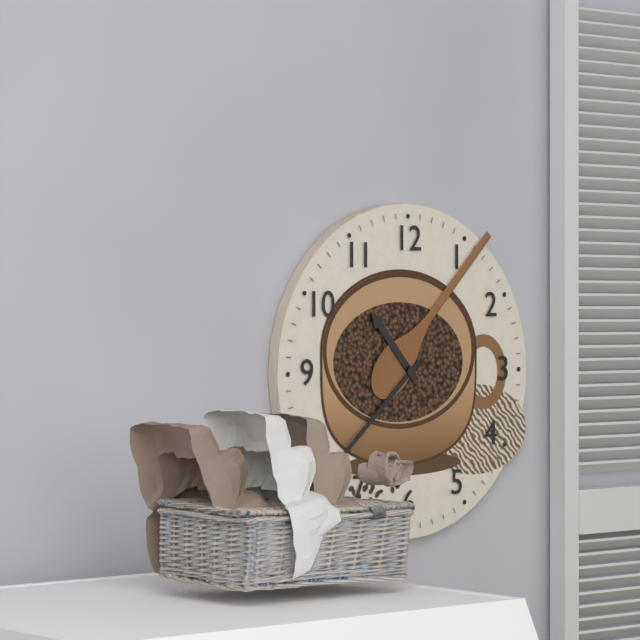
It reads 10h38
